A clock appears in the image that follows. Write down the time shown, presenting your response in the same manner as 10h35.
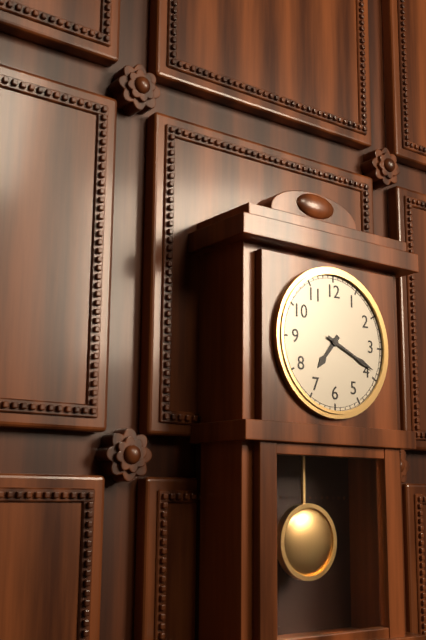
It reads 7h19
